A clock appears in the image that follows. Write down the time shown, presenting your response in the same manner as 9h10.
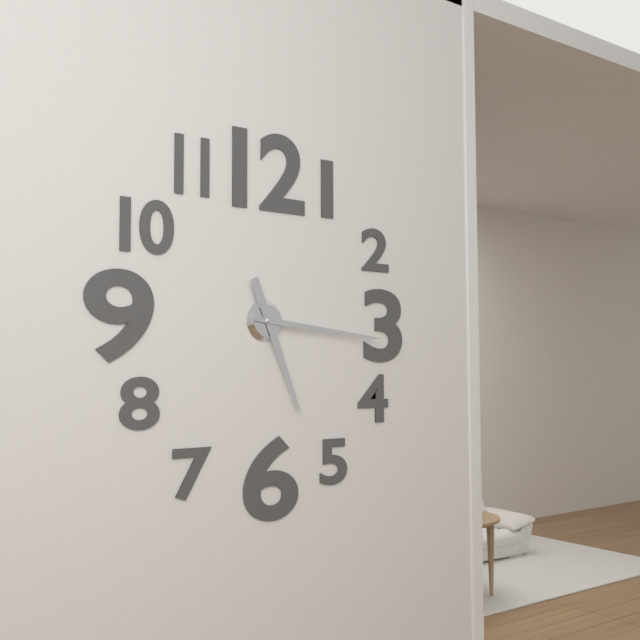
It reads 5h16
